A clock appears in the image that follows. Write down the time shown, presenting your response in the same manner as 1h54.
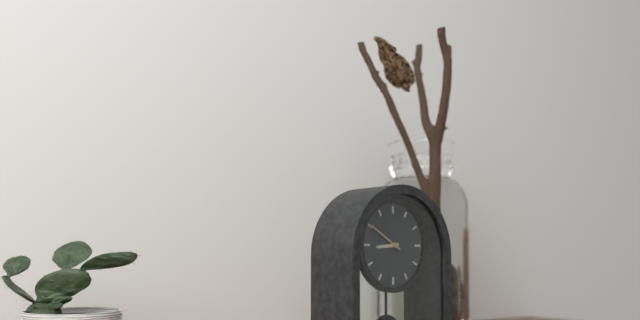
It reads 8h50
